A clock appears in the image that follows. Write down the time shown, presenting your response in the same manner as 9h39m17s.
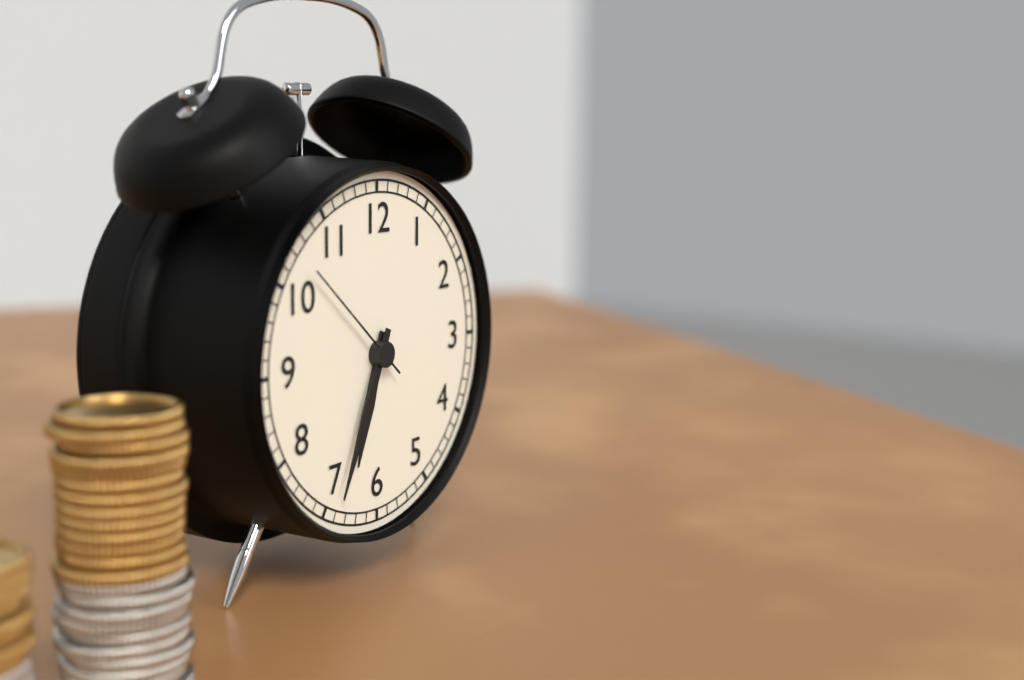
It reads 6h34m52s
